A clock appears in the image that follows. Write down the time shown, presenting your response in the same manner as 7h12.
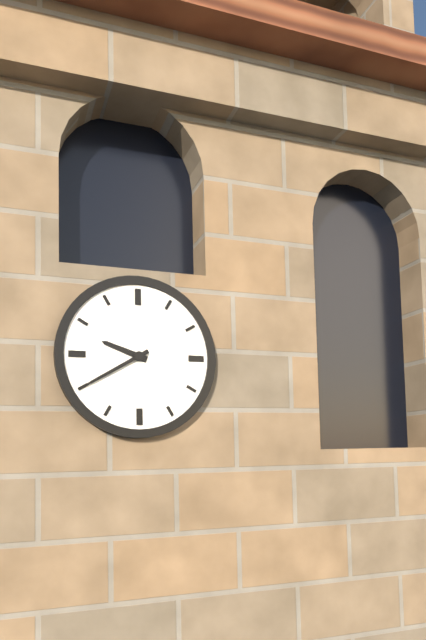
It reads 9h40
